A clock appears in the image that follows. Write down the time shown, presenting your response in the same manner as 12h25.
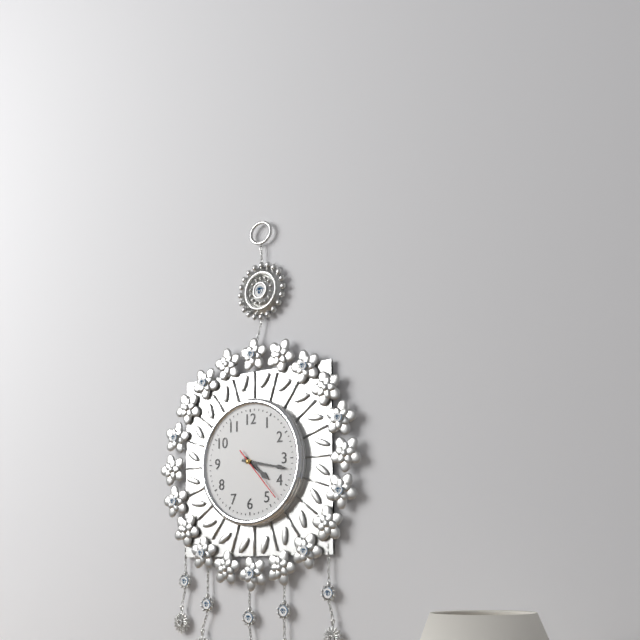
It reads 4h17
